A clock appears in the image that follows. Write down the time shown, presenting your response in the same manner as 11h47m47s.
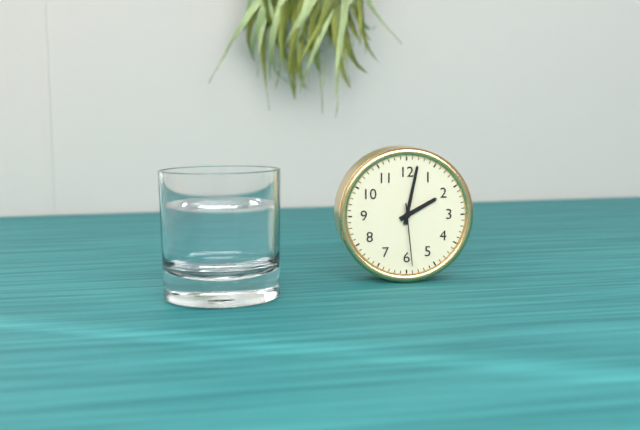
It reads 2h02m29s
